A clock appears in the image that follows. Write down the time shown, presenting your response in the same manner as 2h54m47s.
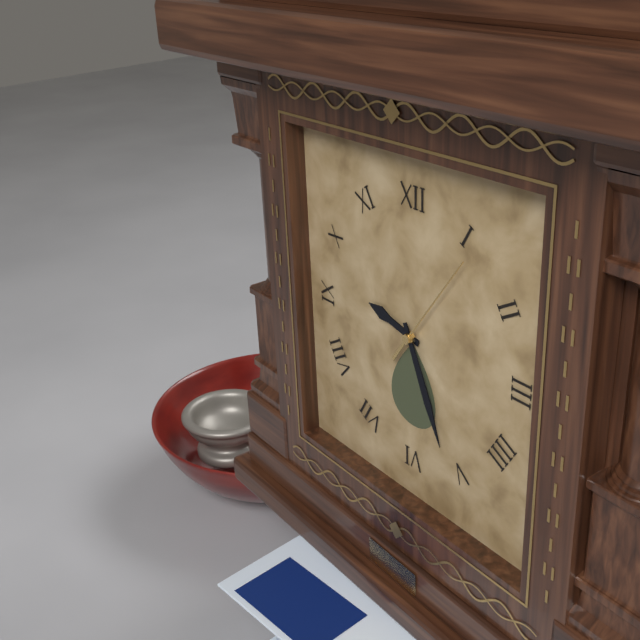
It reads 9h26m06s
